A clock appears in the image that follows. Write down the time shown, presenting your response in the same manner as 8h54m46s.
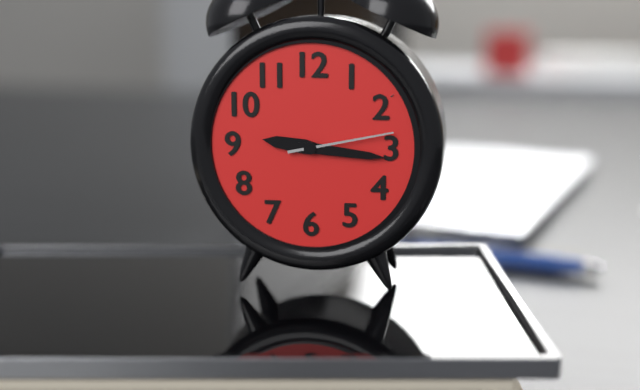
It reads 9h16m13s
